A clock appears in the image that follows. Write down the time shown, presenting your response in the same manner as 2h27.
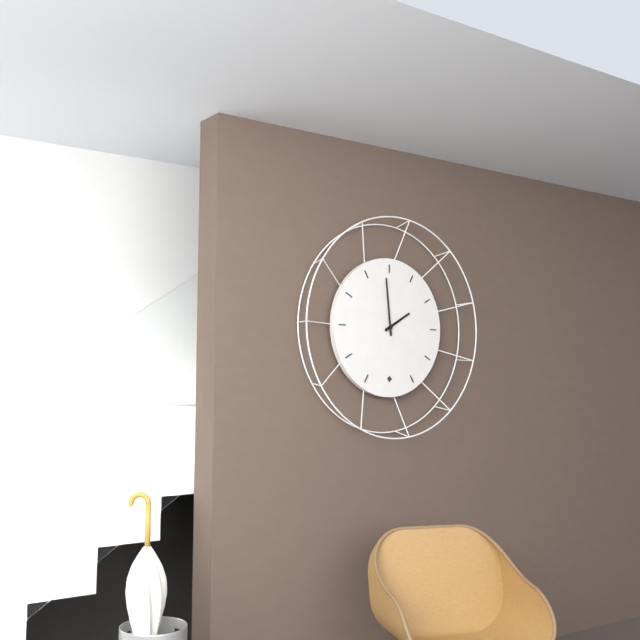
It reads 1h59
